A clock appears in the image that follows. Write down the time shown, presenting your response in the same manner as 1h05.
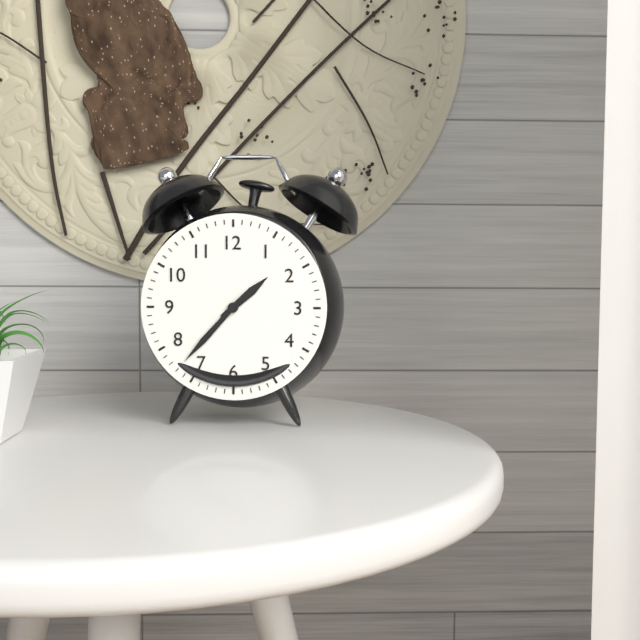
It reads 1h37
